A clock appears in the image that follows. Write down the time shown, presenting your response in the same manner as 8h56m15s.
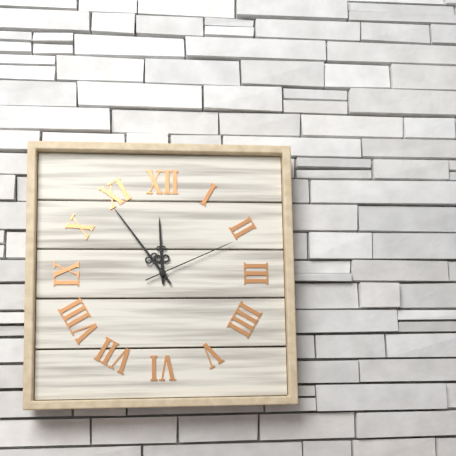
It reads 11h54m11s
